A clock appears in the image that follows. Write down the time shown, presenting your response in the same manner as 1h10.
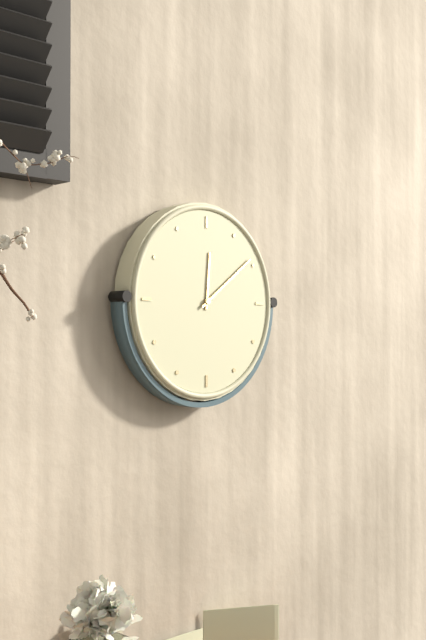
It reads 12h09
